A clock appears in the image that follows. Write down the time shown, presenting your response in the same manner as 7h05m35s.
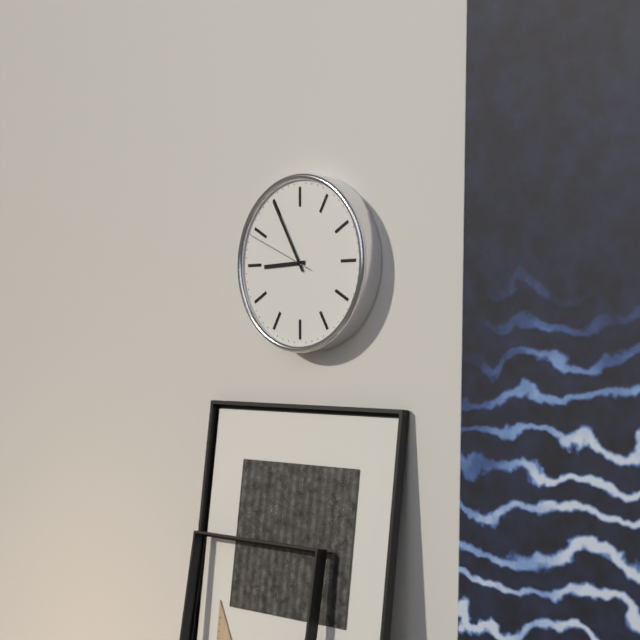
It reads 8h55m49s
